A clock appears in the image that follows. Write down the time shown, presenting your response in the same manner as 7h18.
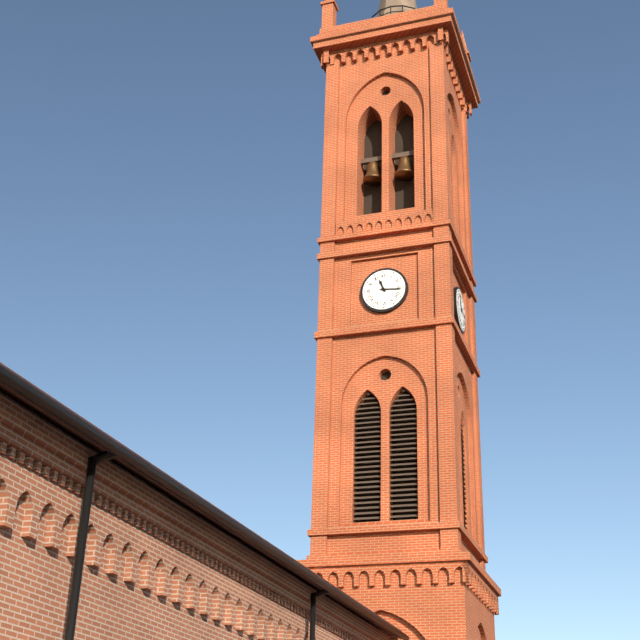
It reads 11h16
